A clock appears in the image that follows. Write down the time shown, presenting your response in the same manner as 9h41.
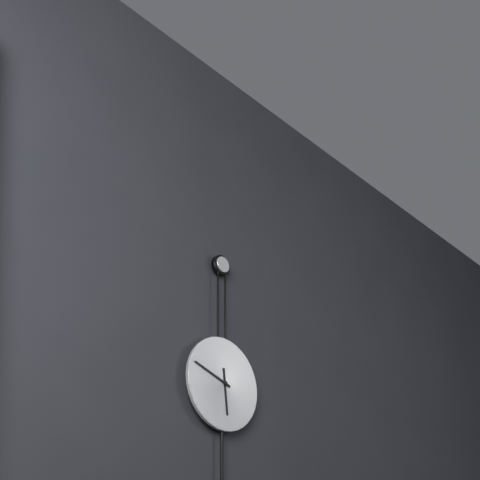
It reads 5h48
